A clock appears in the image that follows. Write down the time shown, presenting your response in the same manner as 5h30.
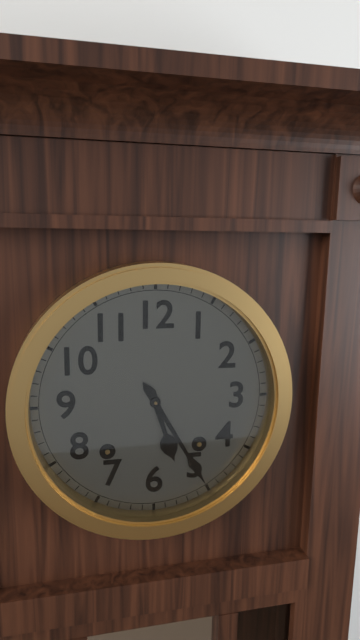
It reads 5h25
